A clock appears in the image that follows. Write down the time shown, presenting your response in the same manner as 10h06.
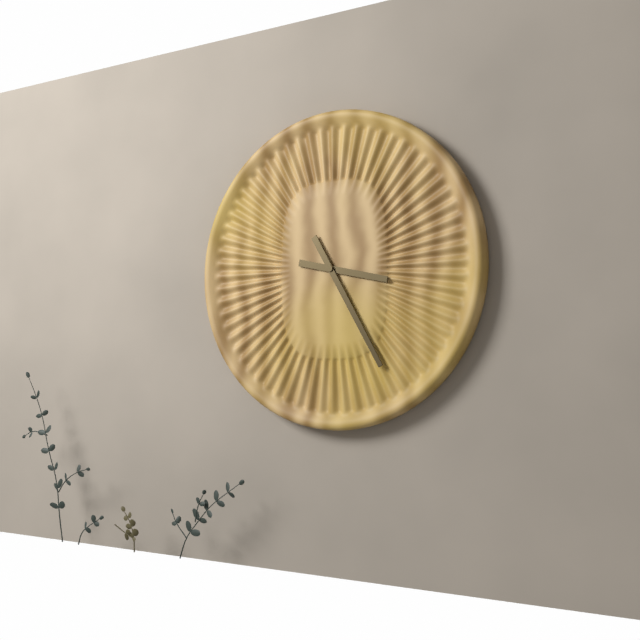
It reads 3h25
